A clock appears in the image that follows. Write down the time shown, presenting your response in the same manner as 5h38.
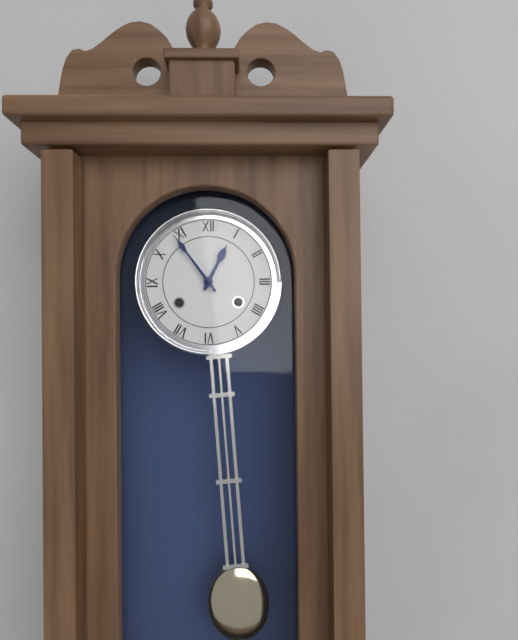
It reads 12h54
